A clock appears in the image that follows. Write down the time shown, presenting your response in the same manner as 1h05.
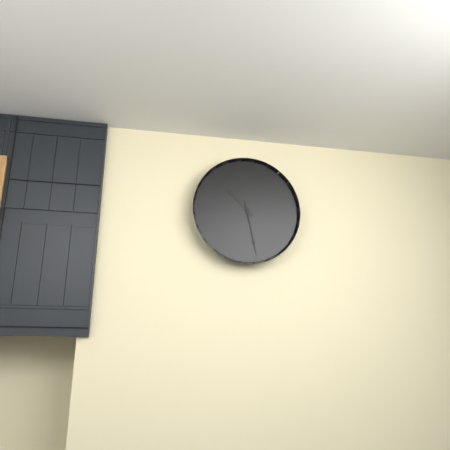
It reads 10h28
